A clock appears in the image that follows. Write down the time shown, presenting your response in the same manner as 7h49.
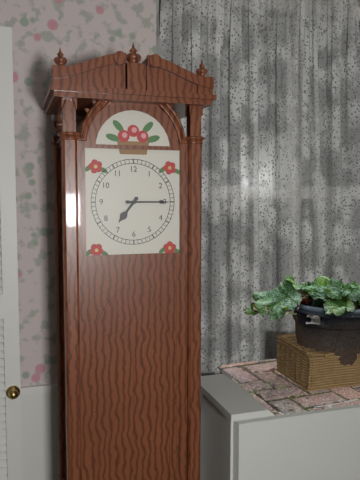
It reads 7h15
